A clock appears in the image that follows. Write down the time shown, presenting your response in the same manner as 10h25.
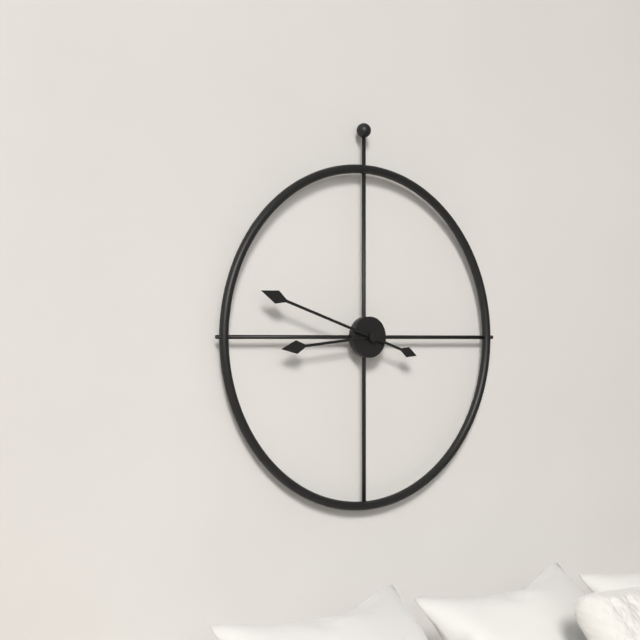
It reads 8h48
